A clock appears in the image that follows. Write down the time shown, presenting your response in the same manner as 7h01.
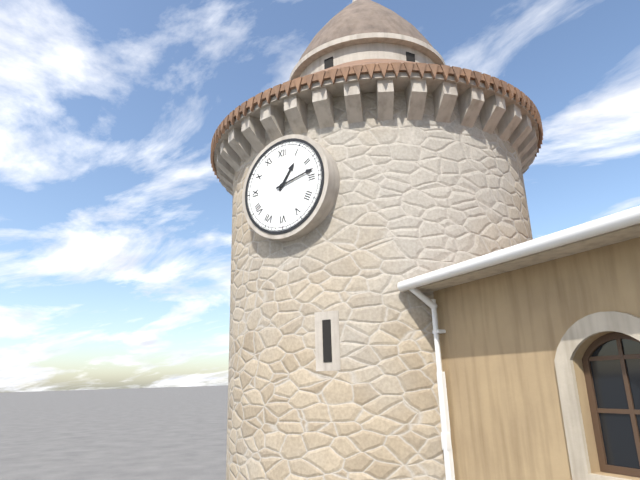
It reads 1h13
